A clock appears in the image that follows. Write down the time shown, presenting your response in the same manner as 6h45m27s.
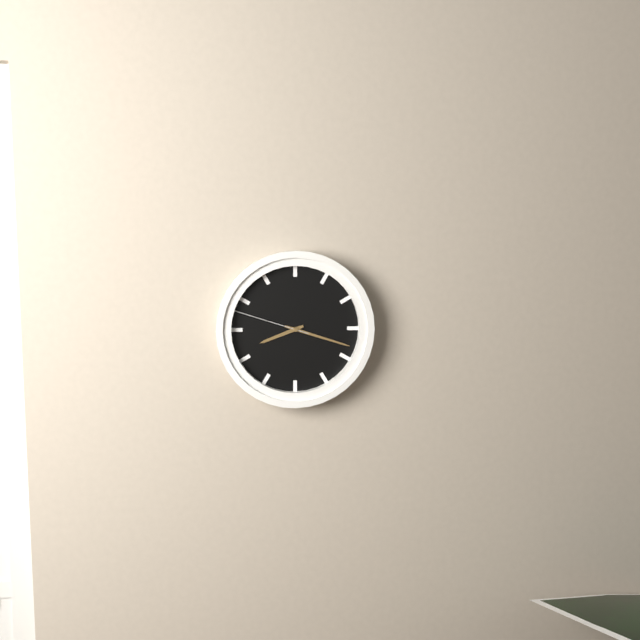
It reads 8h18m48s
